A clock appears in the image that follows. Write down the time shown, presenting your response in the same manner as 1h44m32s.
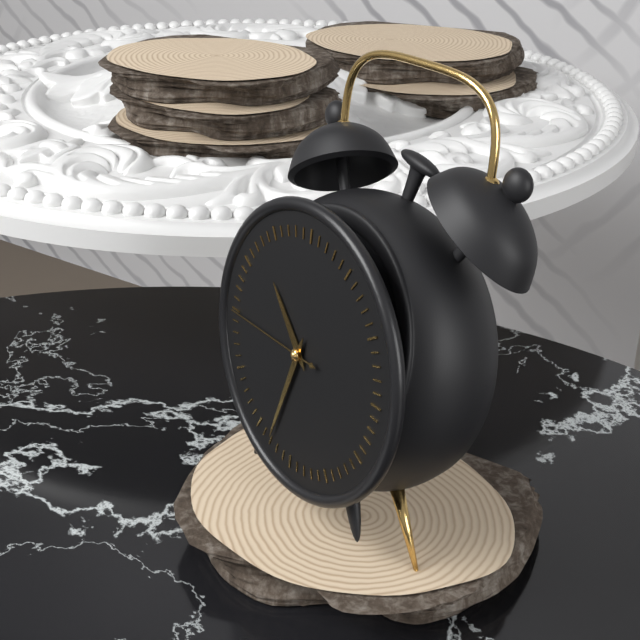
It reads 10h33m45s
